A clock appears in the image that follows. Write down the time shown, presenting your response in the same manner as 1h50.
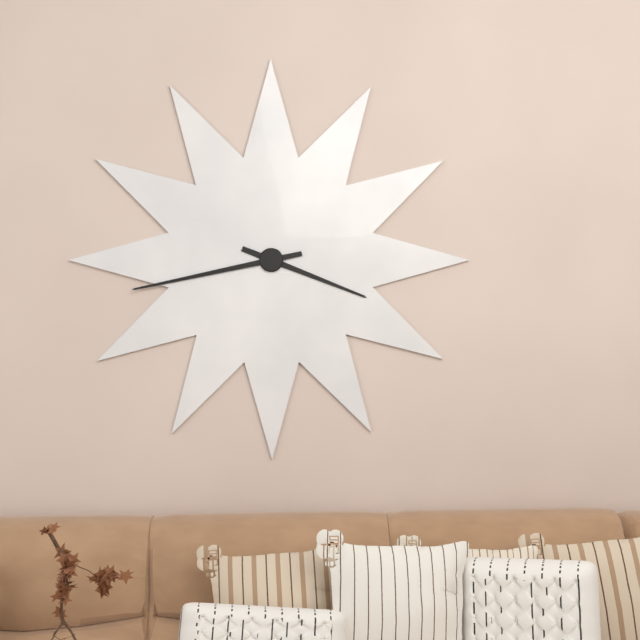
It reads 3h43
